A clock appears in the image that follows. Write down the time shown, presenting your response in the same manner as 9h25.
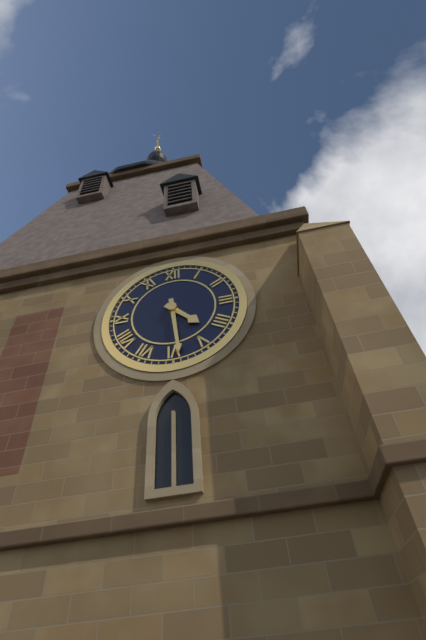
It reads 4h29
